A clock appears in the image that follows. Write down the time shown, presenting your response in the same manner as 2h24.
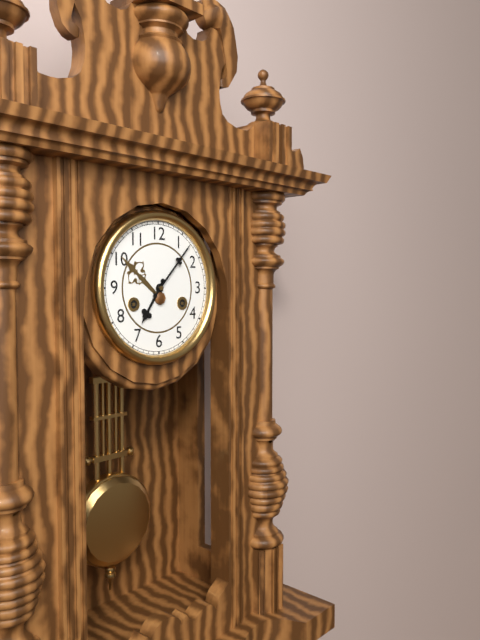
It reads 7h07
